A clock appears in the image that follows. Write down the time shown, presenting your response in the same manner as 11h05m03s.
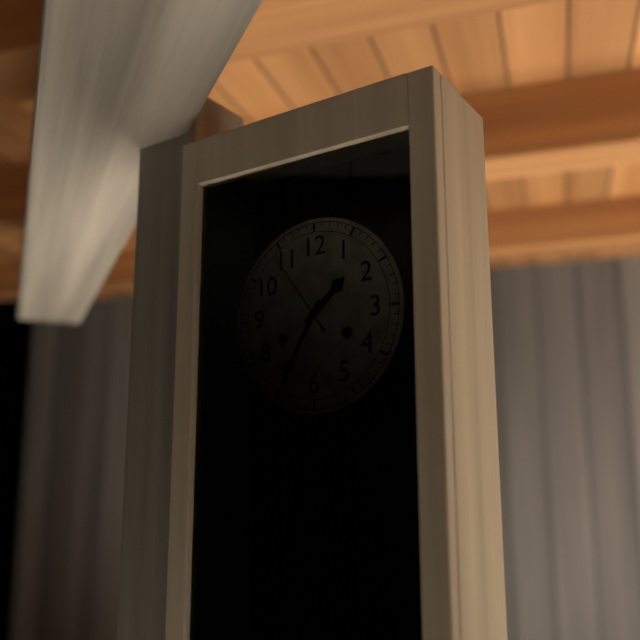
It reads 1h35m54s
